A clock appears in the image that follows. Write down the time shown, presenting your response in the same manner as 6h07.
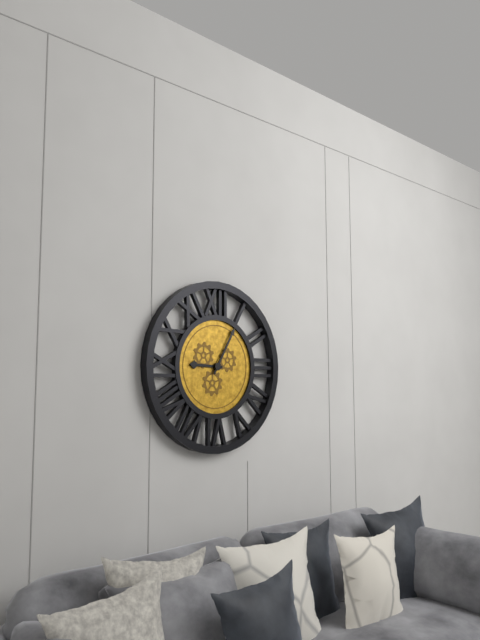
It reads 9h05
